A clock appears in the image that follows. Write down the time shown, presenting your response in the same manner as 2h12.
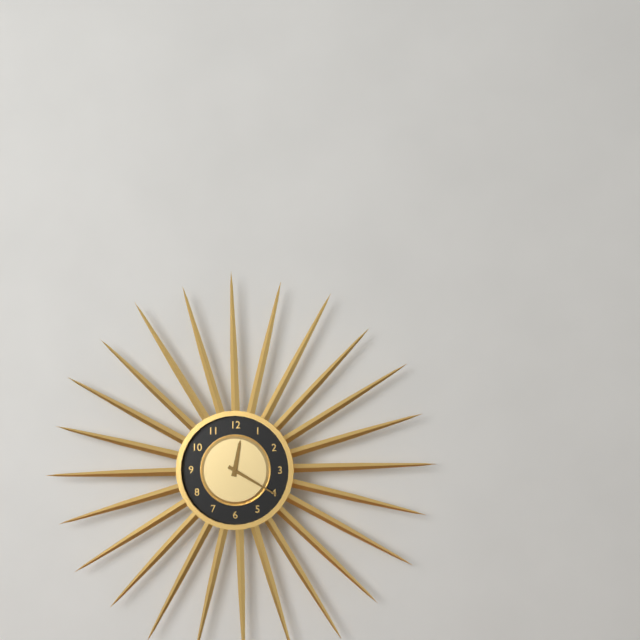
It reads 12h20
